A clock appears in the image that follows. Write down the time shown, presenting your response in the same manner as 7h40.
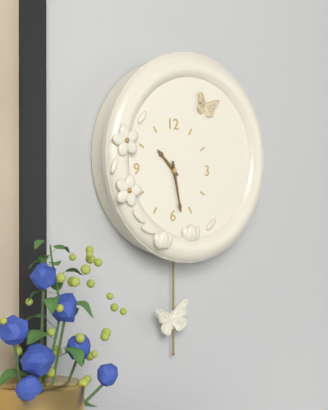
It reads 10h28
